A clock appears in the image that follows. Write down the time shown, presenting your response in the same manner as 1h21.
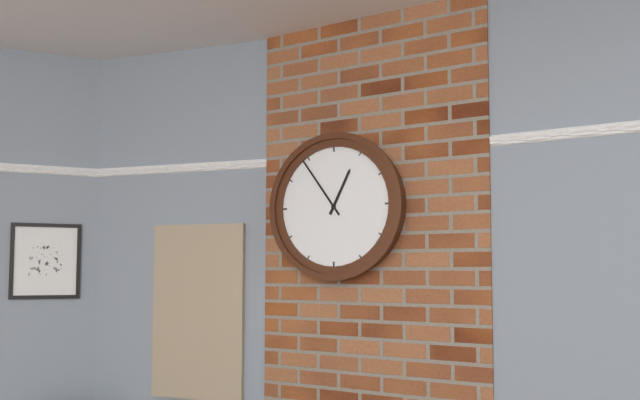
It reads 12h54
